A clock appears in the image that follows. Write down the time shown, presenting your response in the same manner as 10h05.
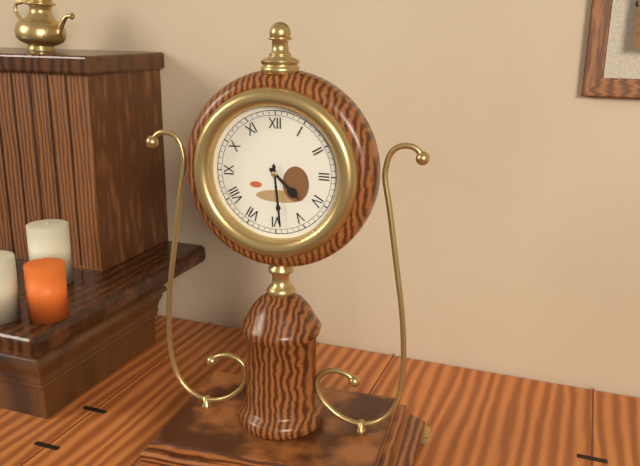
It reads 4h29
